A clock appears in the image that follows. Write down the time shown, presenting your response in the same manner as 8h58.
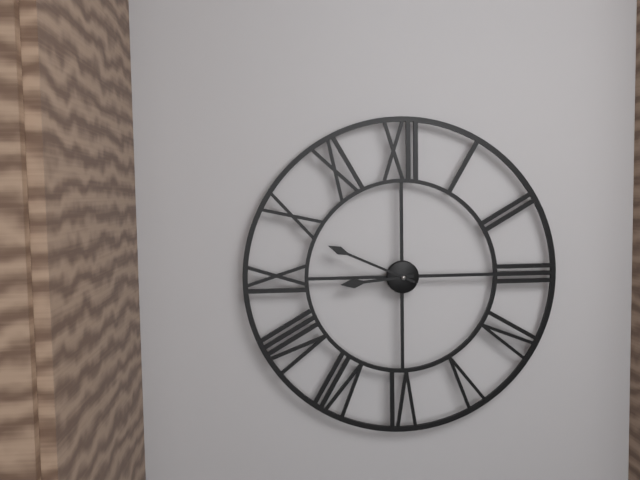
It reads 8h49
